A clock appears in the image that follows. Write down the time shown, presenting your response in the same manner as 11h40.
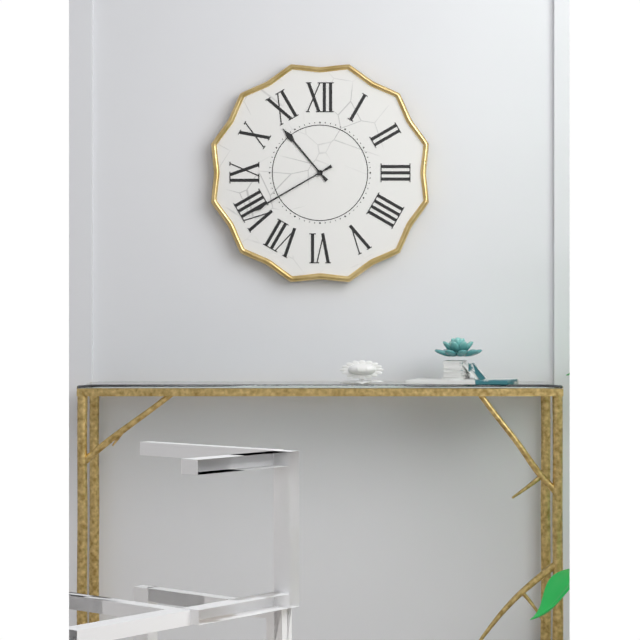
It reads 10h40
